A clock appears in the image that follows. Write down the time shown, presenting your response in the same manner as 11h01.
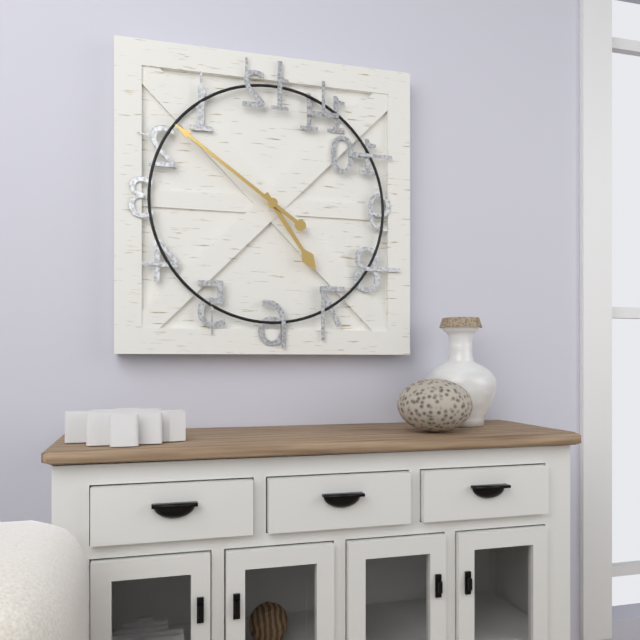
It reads 4h51
